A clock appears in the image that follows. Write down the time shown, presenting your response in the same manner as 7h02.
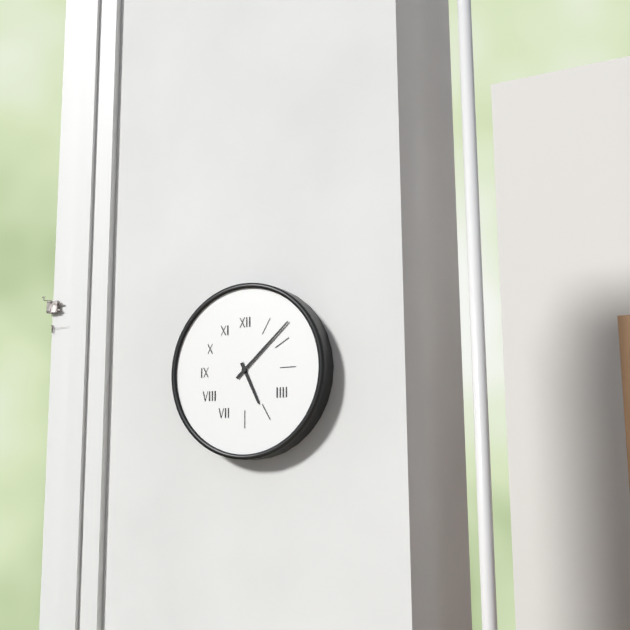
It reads 5h08
